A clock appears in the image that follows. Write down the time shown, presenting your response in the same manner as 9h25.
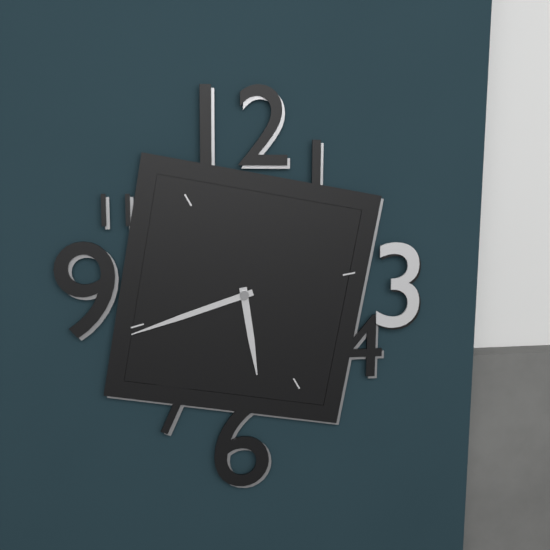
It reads 5h42
